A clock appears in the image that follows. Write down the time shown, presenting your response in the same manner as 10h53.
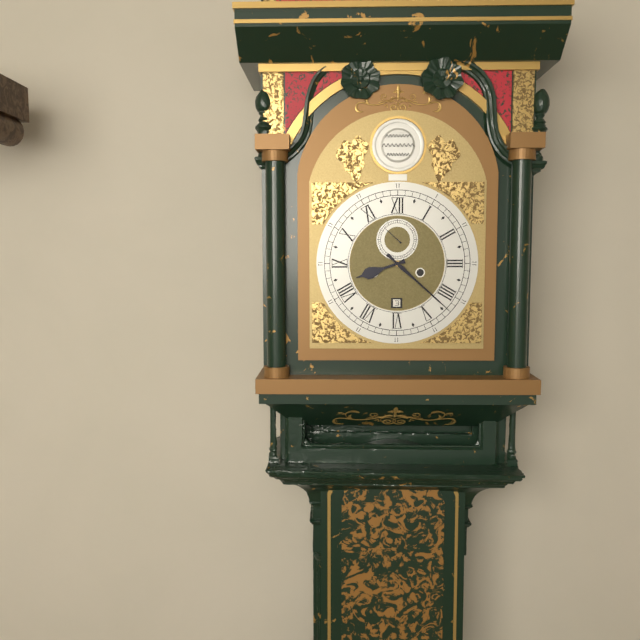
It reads 8h22
